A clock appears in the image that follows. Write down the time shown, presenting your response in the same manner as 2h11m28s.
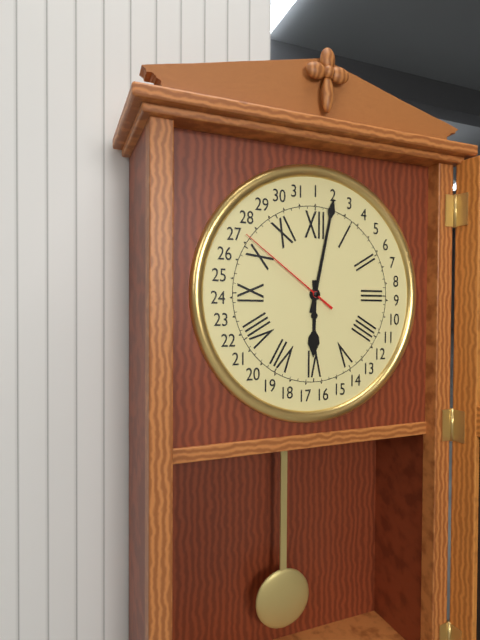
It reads 6h02m51s
